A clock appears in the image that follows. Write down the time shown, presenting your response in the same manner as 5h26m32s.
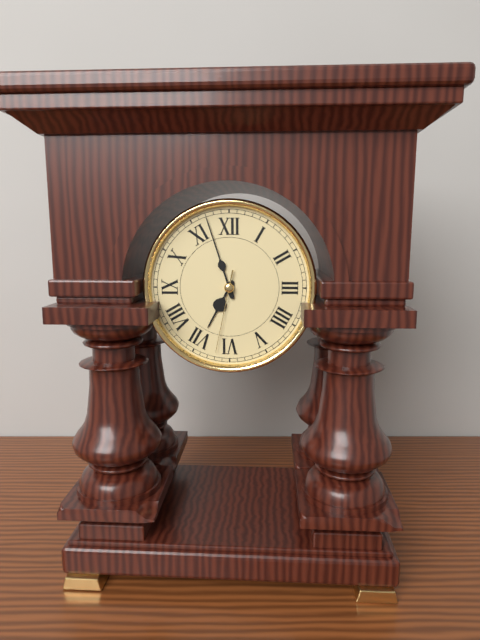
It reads 6h57m32s
